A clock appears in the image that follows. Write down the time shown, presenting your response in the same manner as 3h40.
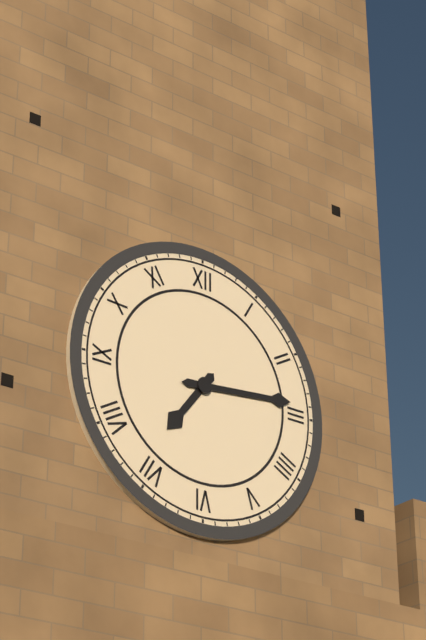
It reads 7h14
